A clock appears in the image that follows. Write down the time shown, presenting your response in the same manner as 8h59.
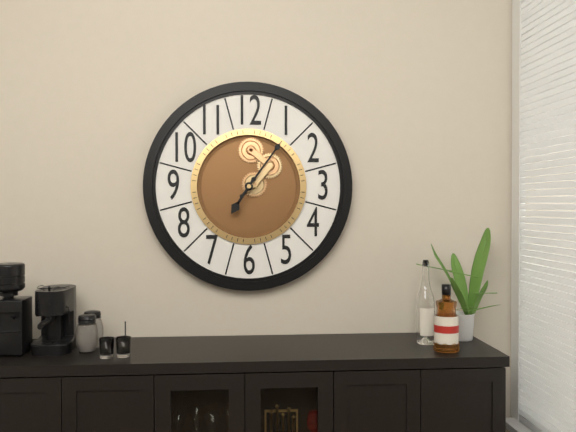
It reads 7h06
